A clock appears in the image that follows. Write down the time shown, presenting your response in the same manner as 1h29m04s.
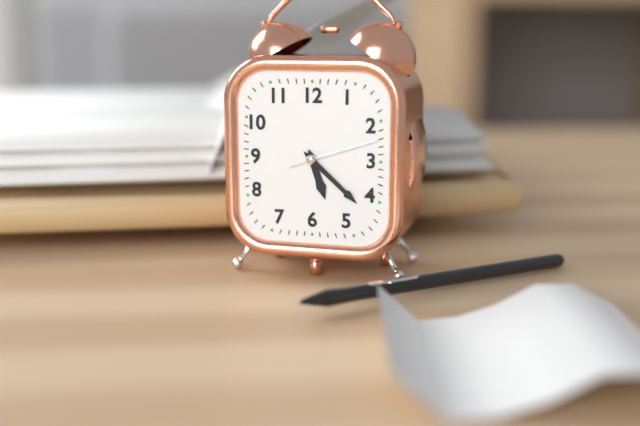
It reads 5h22m12s
